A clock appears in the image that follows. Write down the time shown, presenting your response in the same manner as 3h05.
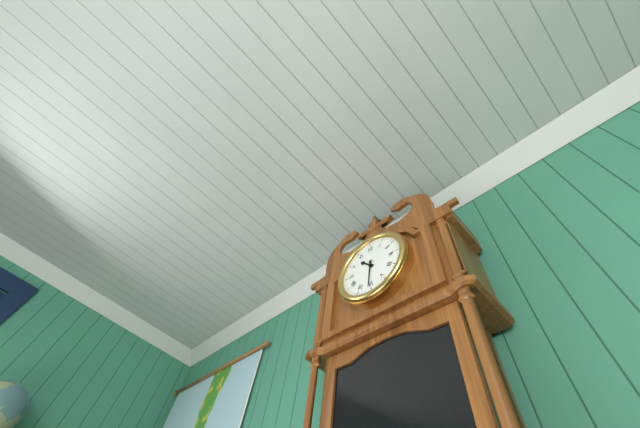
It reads 10h31
